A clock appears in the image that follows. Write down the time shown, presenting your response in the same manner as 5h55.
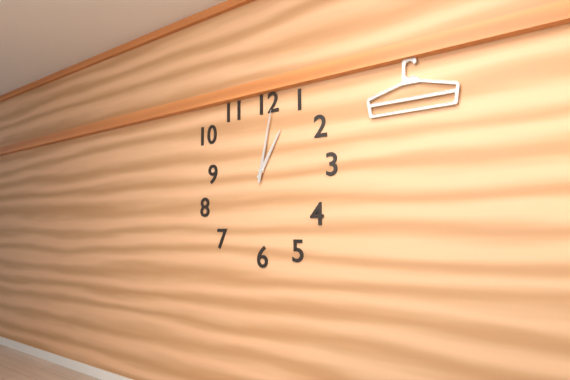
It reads 1h02
